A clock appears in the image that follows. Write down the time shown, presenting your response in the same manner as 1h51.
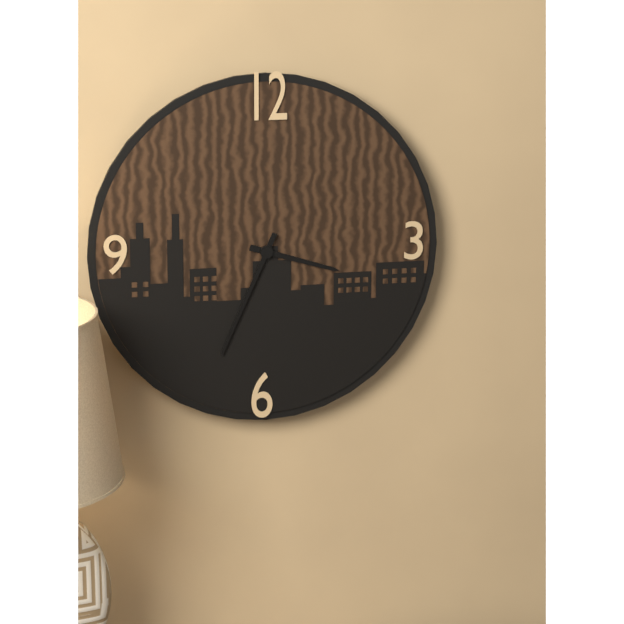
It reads 3h34
